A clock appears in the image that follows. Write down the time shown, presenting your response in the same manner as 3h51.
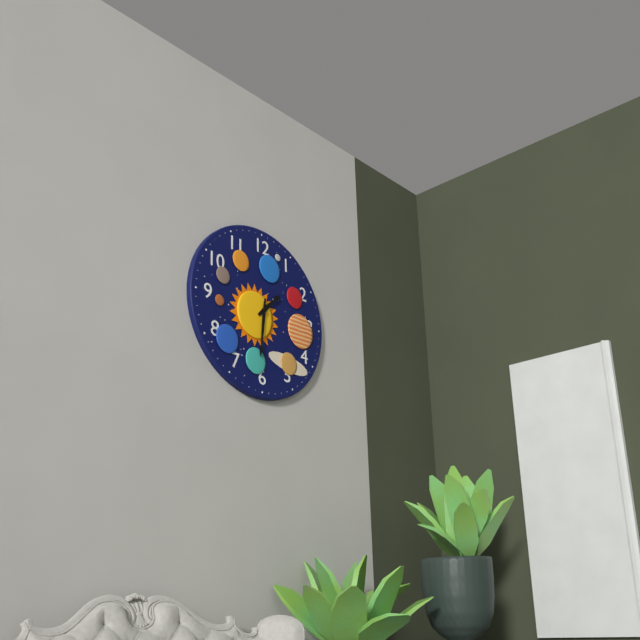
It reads 1h31
